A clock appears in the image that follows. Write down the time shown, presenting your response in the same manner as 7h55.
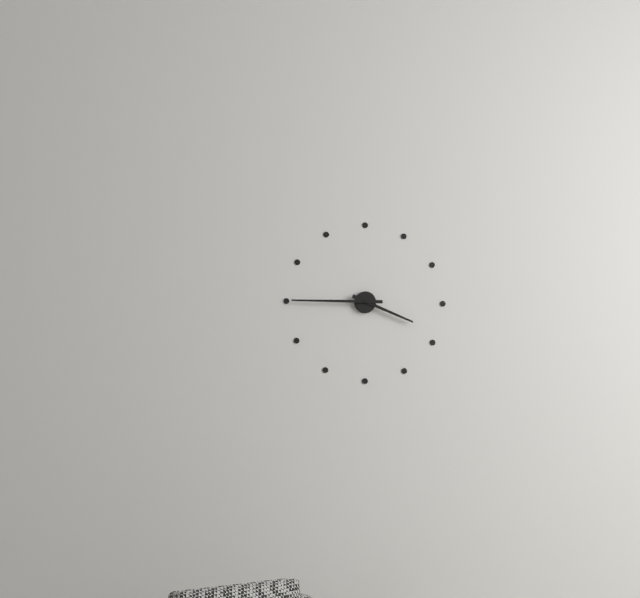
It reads 3h45
